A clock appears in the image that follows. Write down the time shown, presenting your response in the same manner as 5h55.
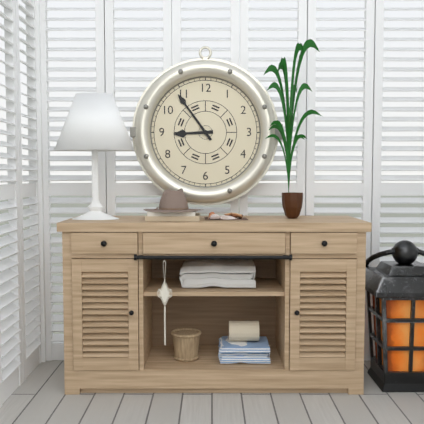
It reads 8h54
